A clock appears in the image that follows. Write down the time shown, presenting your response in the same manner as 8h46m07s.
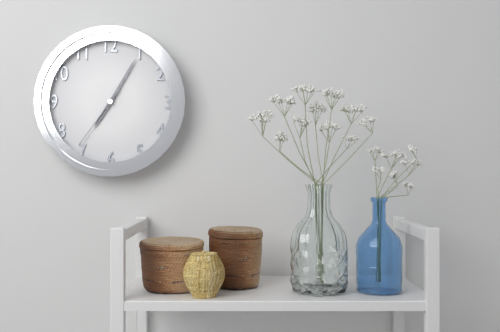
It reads 7h05m36s
